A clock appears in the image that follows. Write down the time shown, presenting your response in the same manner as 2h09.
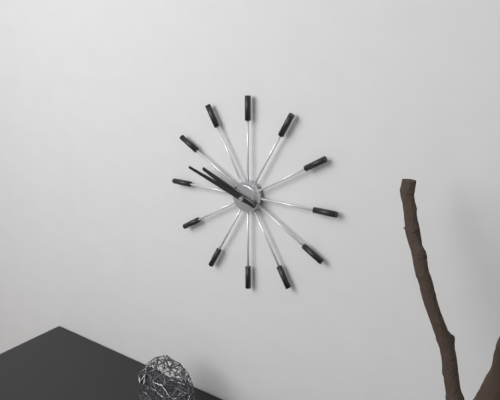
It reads 9h48
